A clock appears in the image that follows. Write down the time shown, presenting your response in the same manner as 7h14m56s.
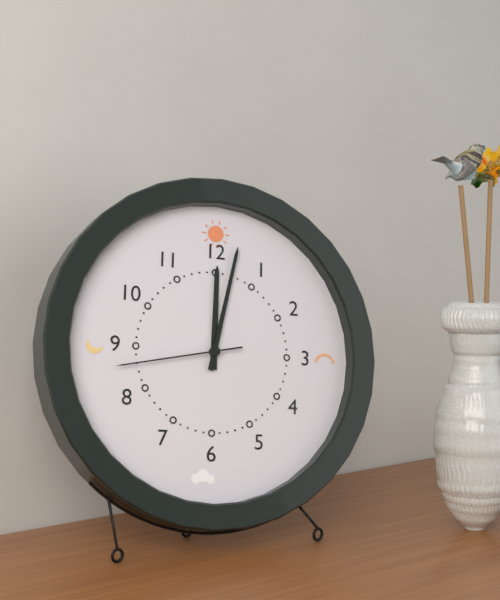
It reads 12h02m43s
